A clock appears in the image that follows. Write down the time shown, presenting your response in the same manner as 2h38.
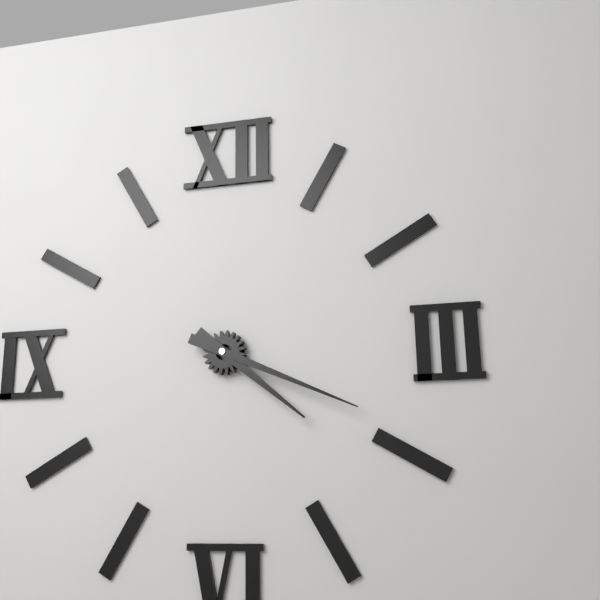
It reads 4h19
